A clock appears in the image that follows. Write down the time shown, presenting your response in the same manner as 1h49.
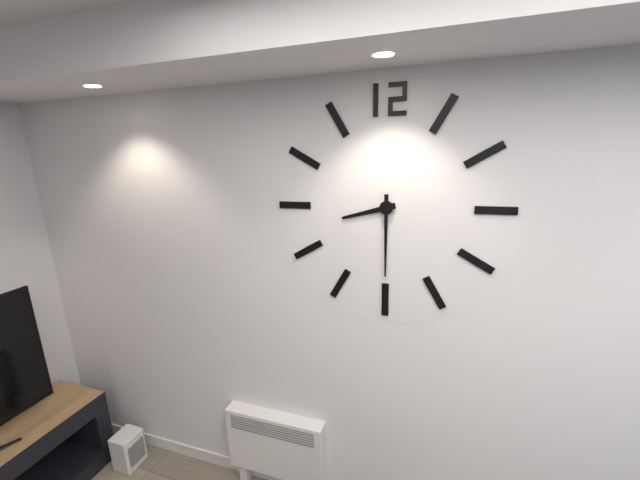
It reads 8h30
